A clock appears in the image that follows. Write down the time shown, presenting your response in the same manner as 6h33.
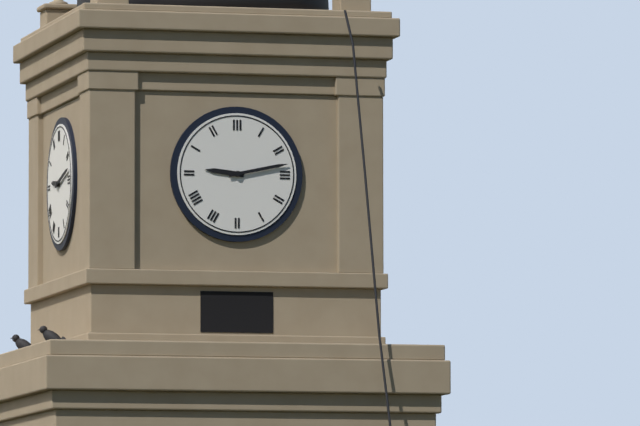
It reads 9h13
